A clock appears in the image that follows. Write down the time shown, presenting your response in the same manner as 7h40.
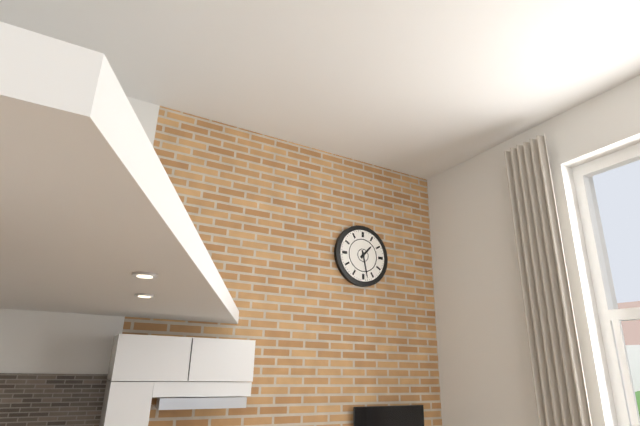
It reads 1h28
